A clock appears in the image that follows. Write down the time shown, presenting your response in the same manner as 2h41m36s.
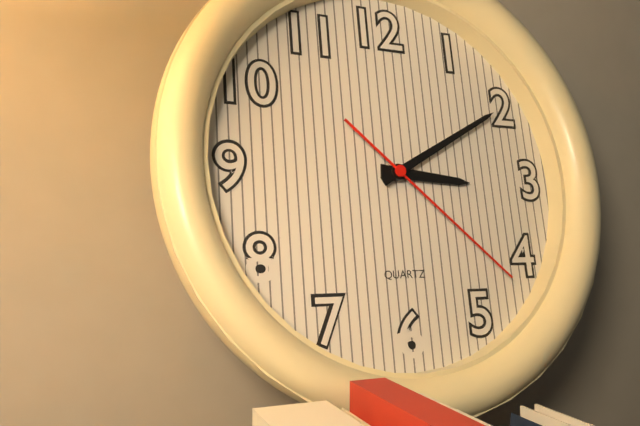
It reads 3h10m22s
